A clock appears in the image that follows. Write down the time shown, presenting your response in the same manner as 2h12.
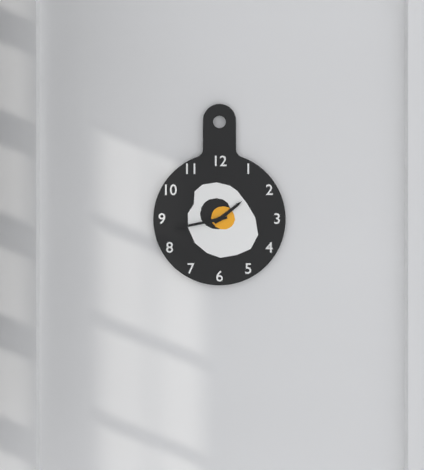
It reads 1h43
